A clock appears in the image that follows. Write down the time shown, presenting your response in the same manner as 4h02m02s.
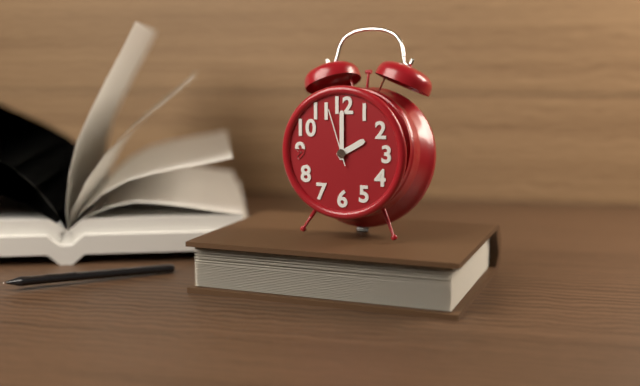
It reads 2h00m57s
